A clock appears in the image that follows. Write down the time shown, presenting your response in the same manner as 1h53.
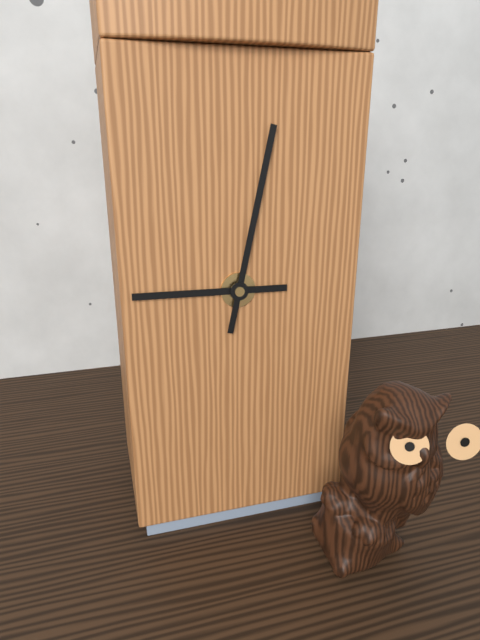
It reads 9h02
